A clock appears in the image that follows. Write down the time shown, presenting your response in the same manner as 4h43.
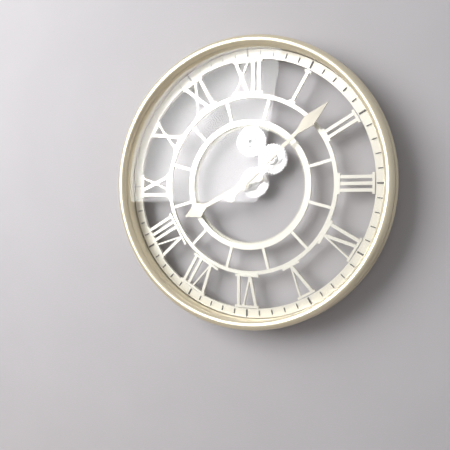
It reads 8h08
